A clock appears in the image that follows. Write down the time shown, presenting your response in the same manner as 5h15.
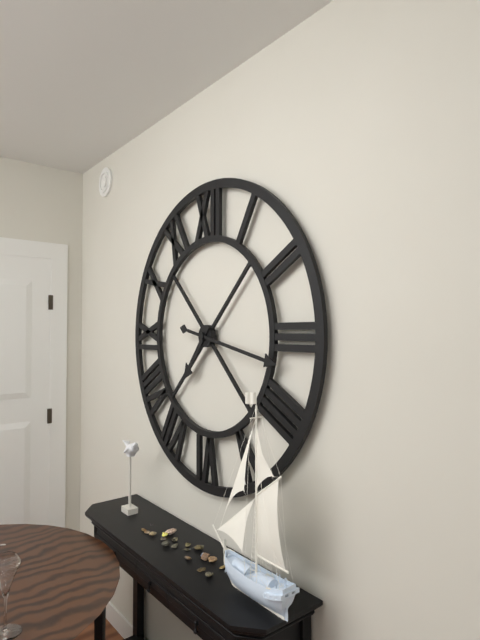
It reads 7h17
